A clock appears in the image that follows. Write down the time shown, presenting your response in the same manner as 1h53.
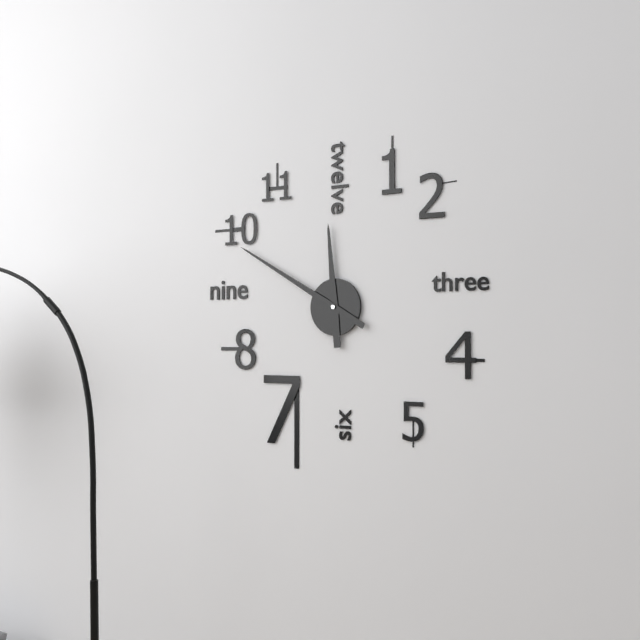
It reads 11h50
